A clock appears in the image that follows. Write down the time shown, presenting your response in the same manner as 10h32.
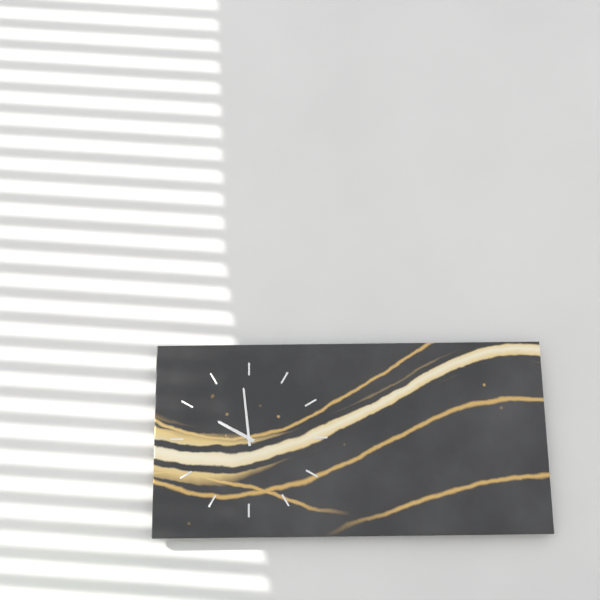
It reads 9h59
